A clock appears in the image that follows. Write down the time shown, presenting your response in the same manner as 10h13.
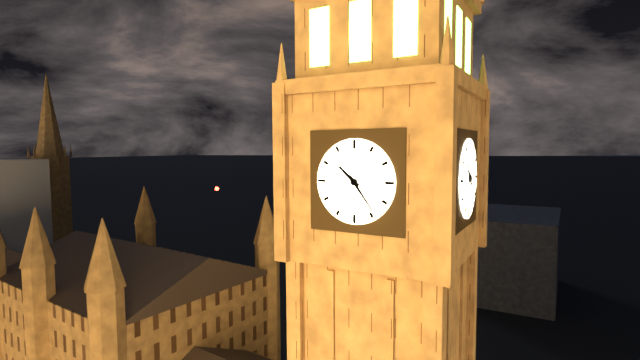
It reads 10h24
